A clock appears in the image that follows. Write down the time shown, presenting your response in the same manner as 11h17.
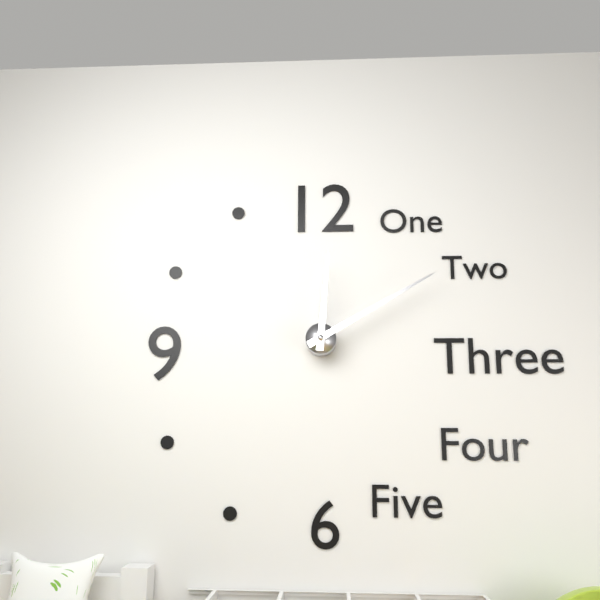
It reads 12h10
